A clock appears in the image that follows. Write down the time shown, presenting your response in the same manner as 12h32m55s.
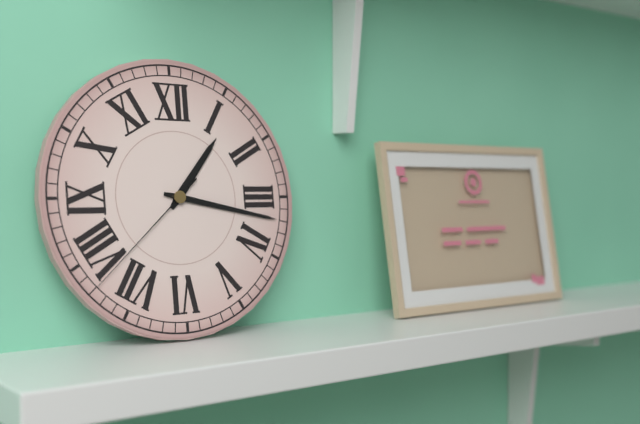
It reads 1h17m38s
